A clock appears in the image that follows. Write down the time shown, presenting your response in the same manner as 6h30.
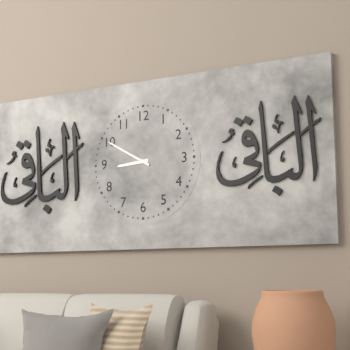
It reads 8h50
